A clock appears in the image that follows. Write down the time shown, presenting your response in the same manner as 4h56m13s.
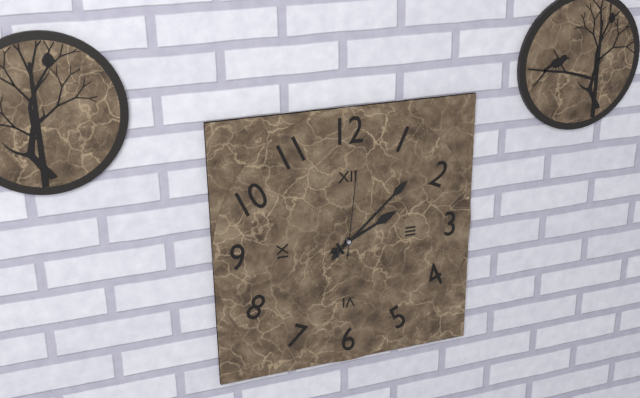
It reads 2h08m01s
